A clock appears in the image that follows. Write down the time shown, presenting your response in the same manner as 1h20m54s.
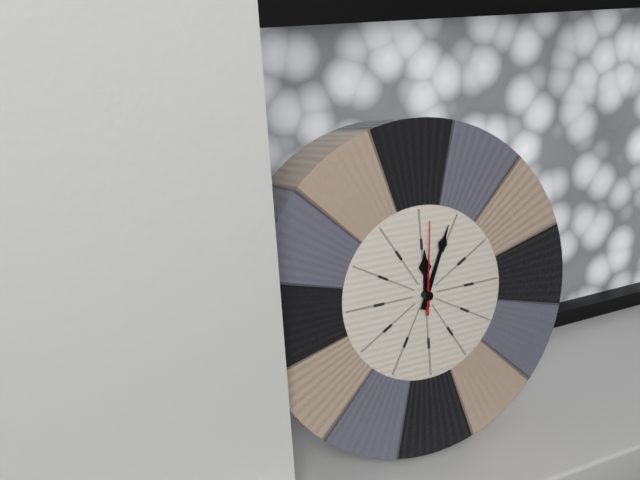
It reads 12h04m01s
